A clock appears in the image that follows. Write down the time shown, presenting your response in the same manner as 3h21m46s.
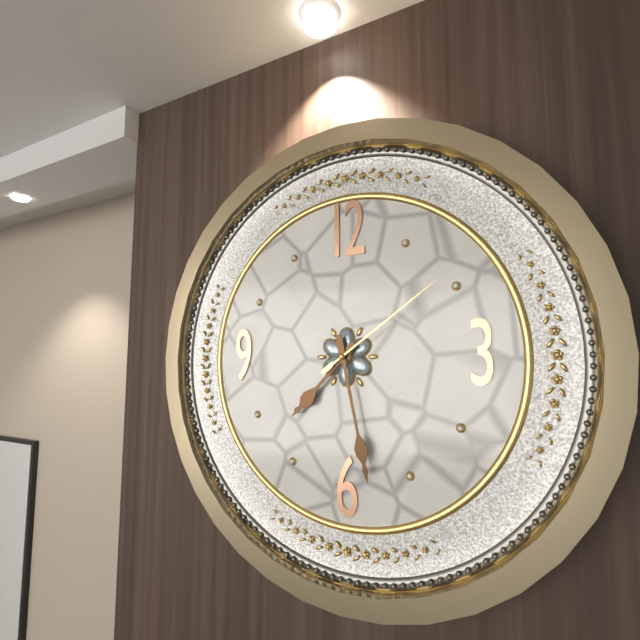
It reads 7h28m09s
